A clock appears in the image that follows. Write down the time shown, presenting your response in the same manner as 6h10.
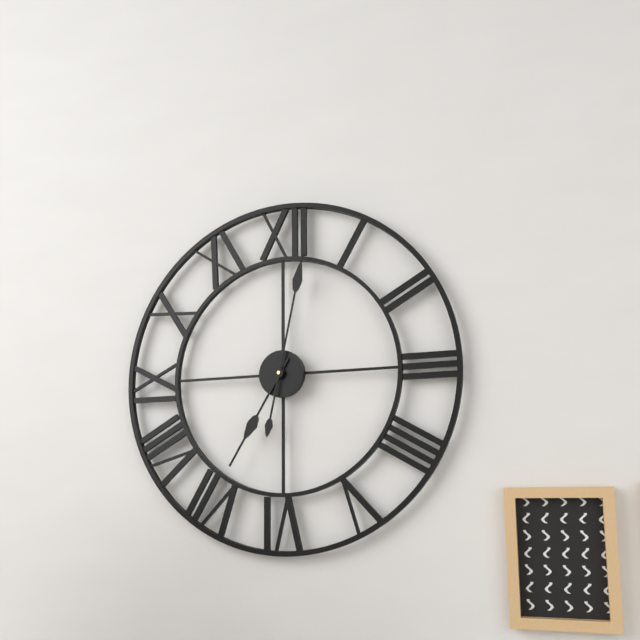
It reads 7h02
